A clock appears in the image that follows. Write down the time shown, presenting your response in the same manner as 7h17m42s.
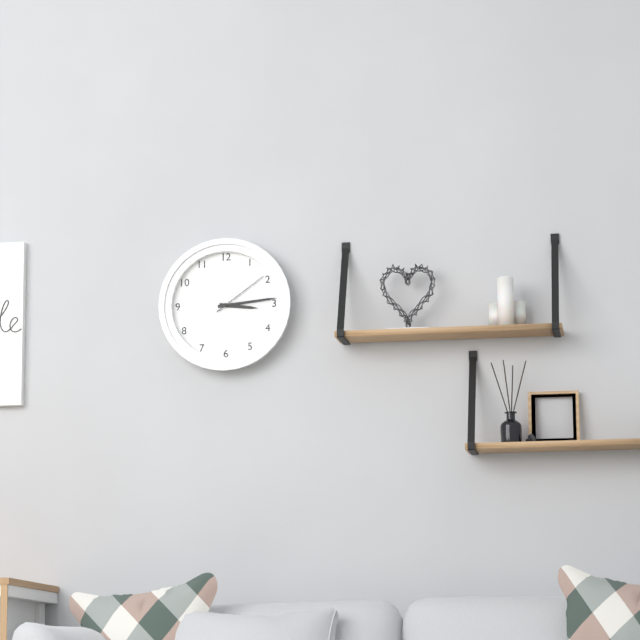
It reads 3h14m09s
